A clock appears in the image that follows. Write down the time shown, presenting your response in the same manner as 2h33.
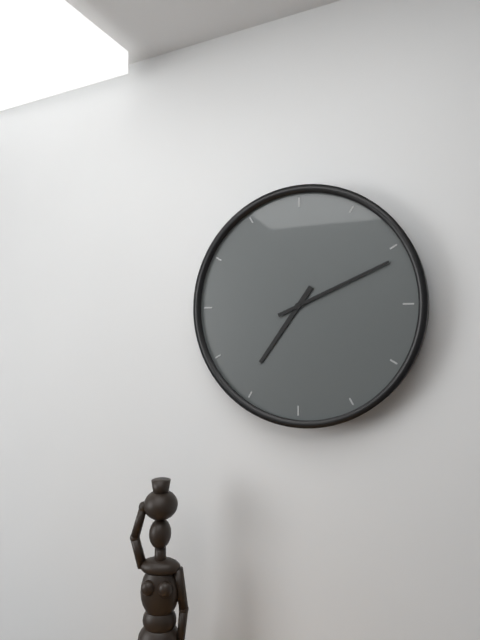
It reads 7h11
